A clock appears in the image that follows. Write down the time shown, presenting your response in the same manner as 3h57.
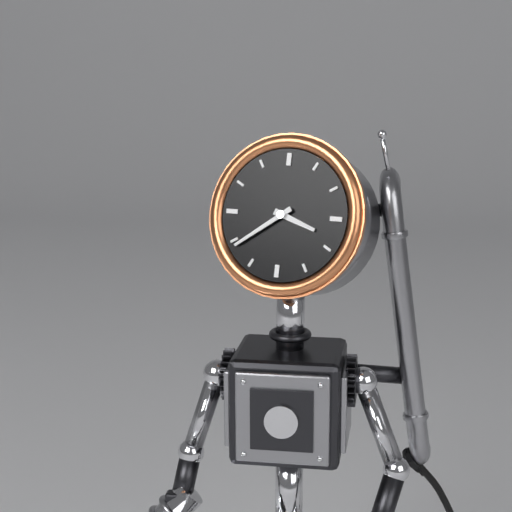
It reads 3h39
